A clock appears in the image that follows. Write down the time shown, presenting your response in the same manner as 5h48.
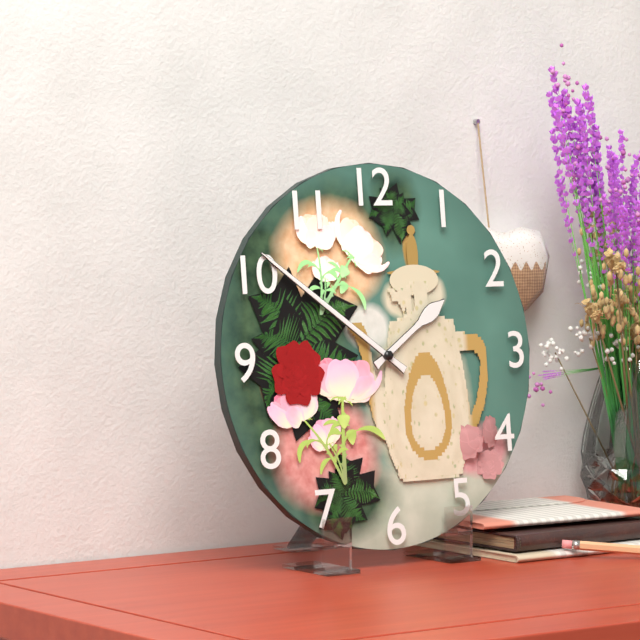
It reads 1h51
